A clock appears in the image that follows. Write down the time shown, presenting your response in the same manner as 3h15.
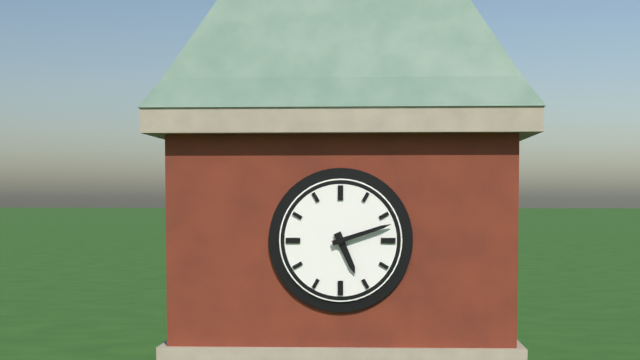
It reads 5h12
